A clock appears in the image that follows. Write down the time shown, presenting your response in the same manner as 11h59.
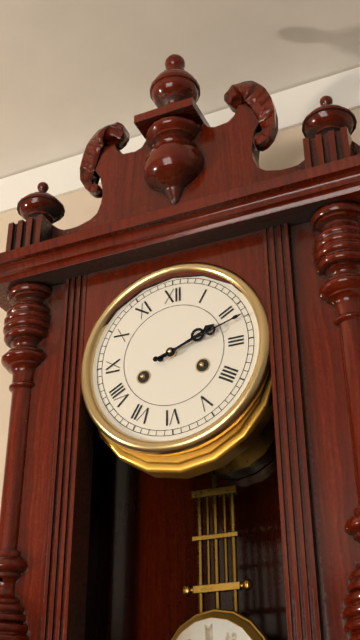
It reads 2h12
